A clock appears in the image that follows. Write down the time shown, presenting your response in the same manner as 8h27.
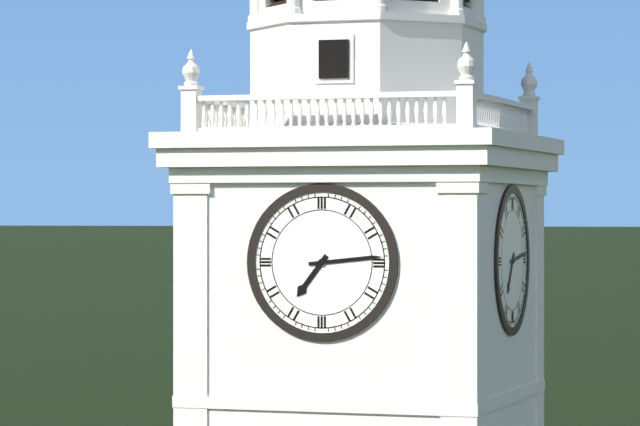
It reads 7h14
